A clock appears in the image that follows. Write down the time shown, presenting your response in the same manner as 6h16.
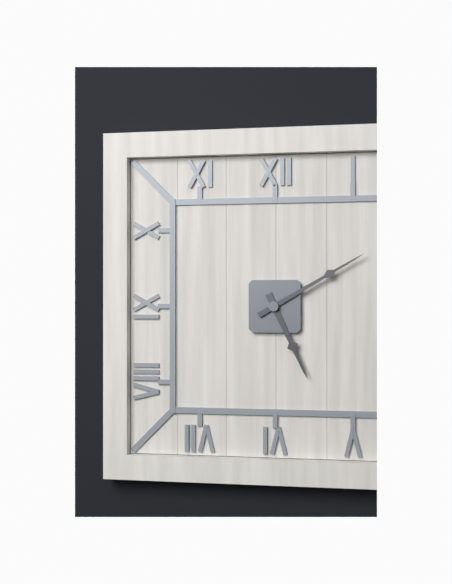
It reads 5h10
